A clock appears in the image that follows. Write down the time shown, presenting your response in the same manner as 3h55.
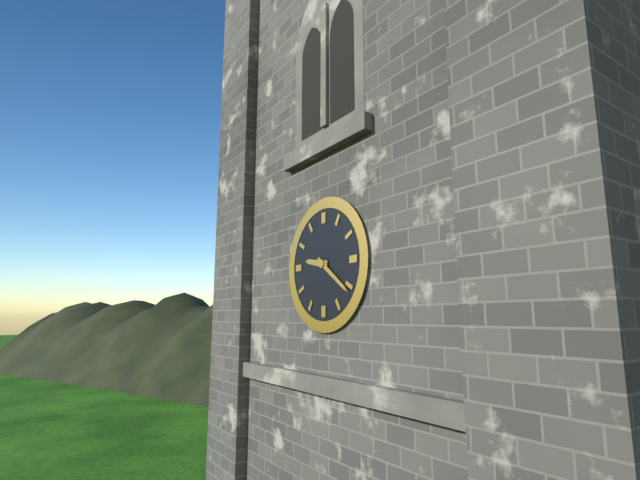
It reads 9h21
